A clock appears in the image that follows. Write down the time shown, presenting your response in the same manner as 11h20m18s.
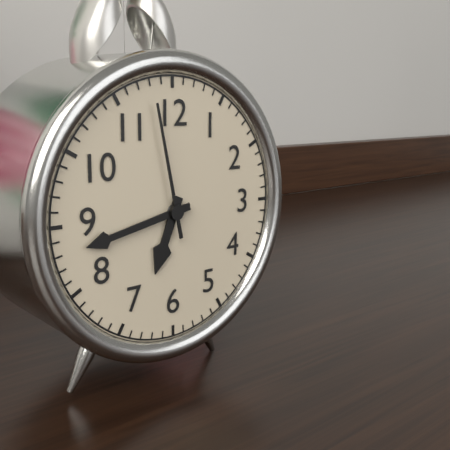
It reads 6h43m58s
